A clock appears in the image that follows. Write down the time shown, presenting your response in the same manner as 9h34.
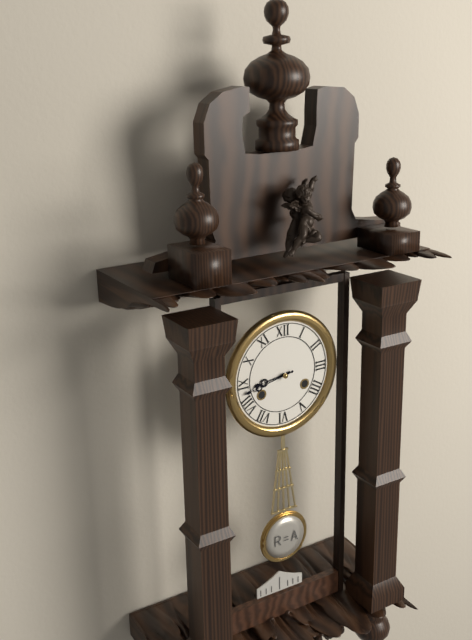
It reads 8h43
